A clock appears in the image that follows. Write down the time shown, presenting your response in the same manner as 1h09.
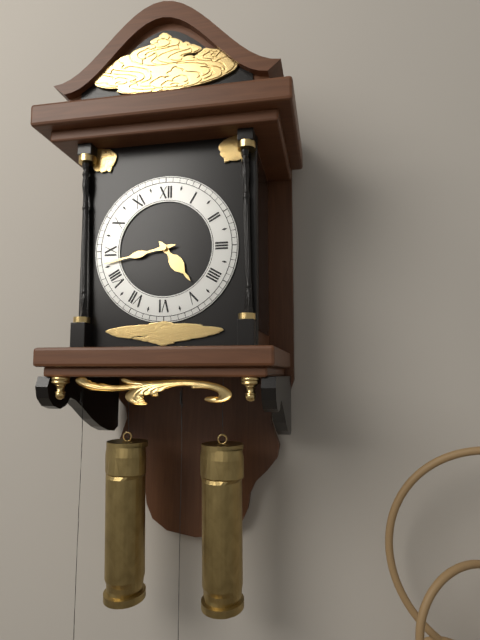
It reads 4h43
